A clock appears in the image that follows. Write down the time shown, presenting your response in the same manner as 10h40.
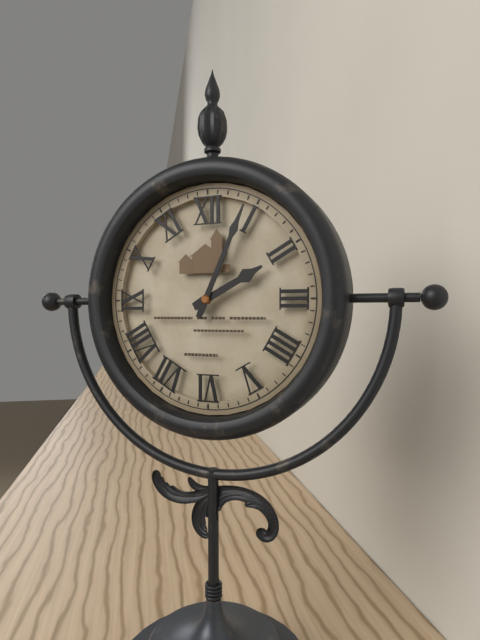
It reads 2h04
